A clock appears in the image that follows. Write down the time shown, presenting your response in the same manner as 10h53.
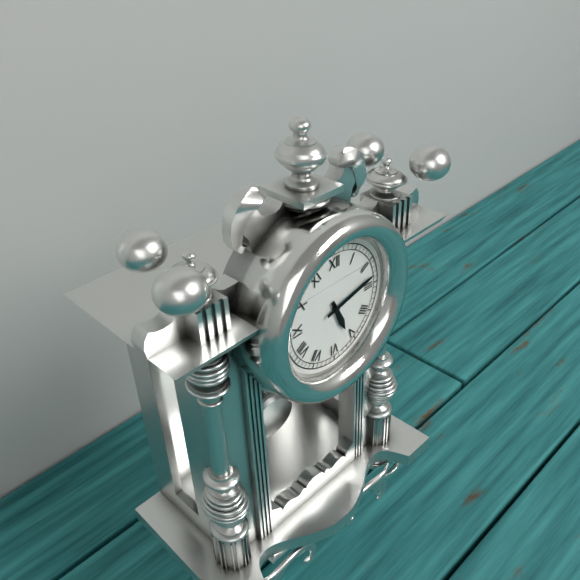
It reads 5h13
